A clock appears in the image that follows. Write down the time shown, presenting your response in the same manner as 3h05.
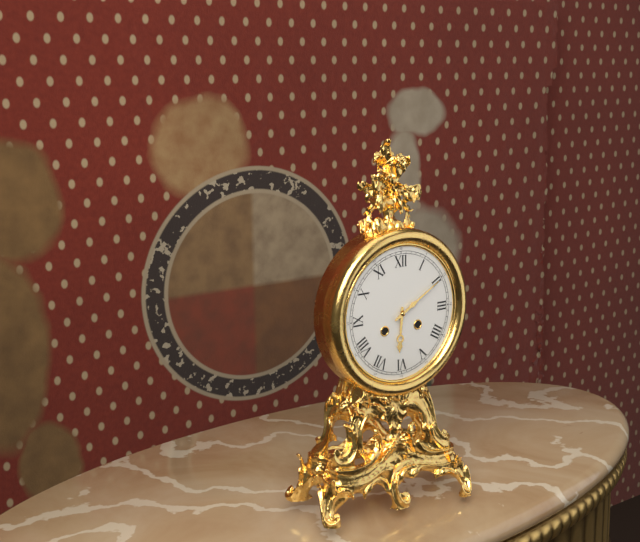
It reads 6h10
